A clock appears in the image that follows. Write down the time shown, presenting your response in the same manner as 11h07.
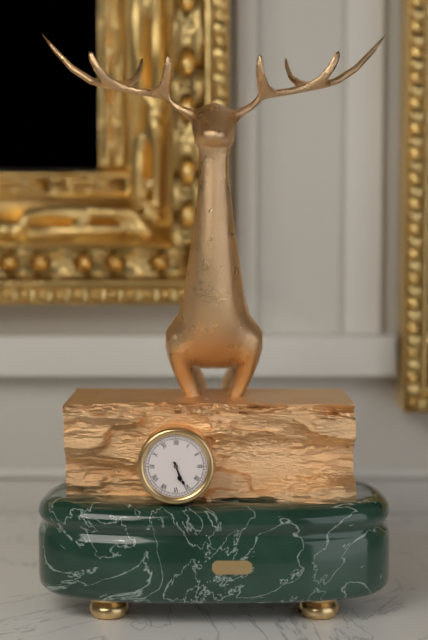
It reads 5h26
